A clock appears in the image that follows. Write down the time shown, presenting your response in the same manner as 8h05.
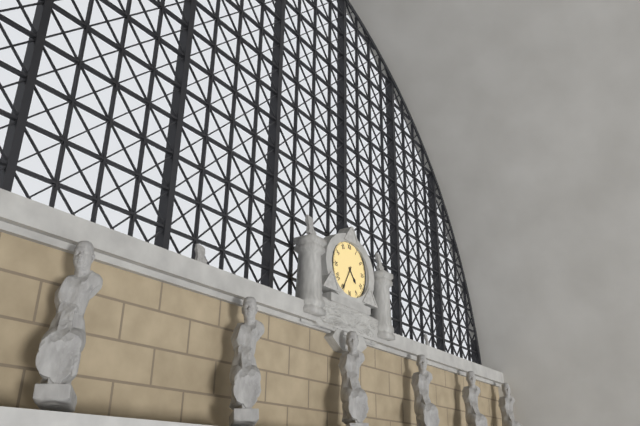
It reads 4h35
